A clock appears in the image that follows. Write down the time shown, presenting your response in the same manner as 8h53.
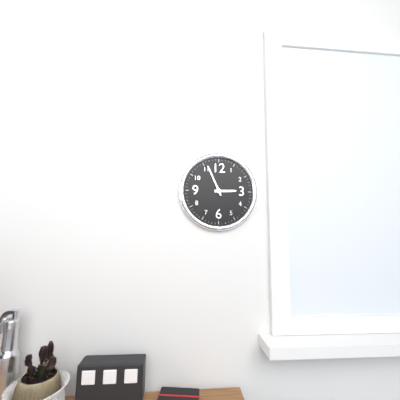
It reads 2h56
